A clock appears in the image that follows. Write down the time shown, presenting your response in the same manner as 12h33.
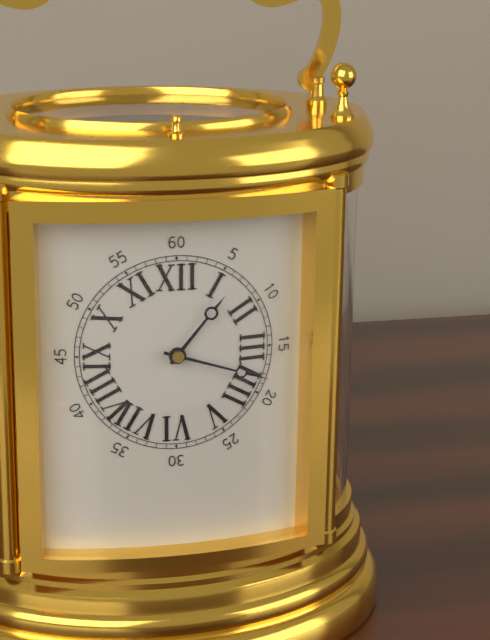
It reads 1h18
